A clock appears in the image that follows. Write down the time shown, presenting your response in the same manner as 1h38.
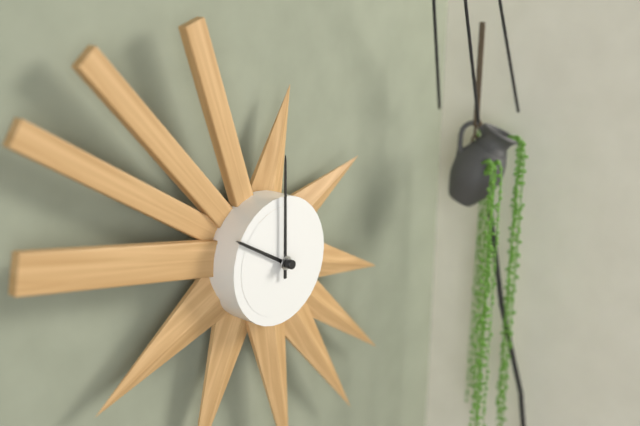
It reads 10h00
